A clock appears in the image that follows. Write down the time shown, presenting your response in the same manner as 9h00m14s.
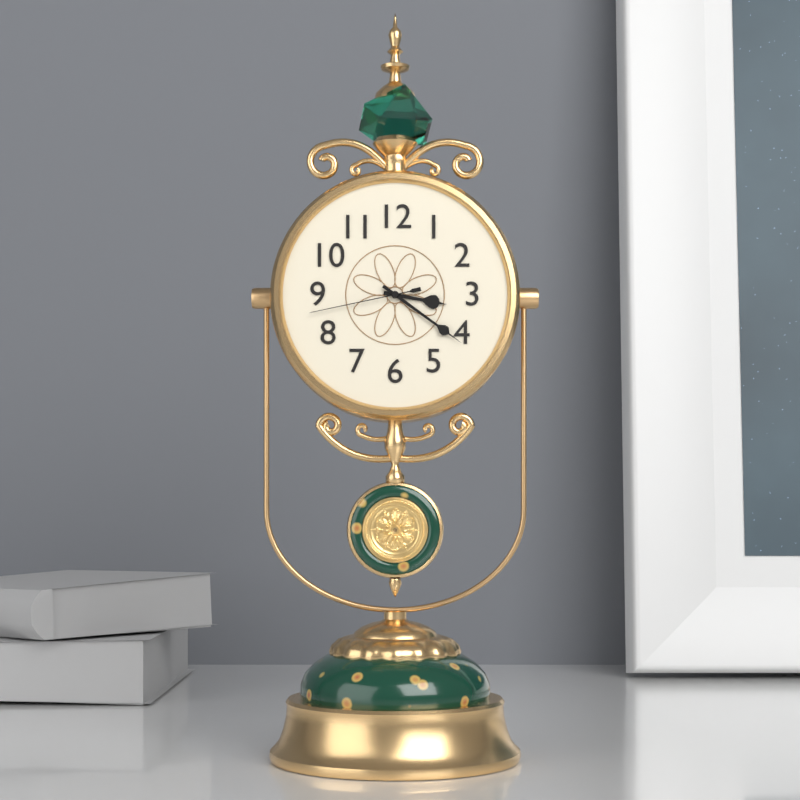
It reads 3h21m43s
